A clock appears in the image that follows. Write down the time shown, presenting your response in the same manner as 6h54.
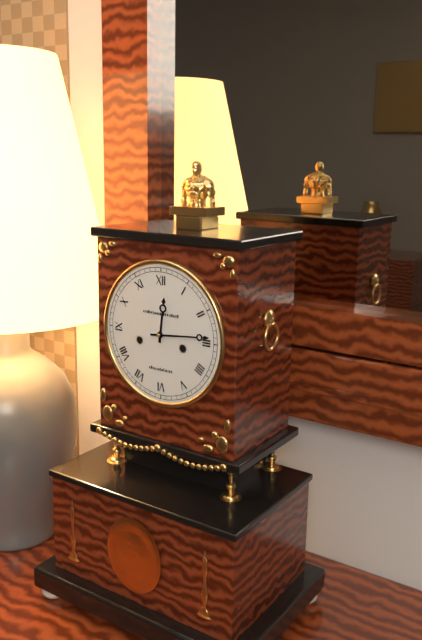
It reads 12h14
